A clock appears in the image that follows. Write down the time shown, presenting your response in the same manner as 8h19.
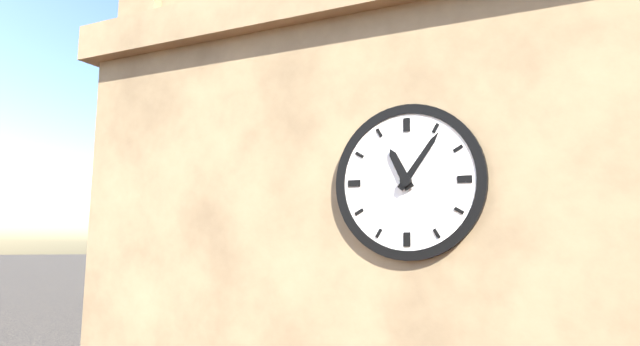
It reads 11h06
